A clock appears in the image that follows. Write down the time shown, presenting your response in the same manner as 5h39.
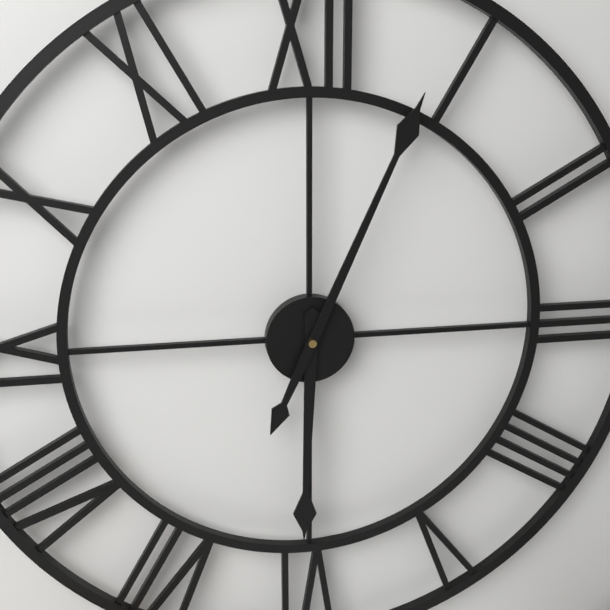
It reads 6h04
